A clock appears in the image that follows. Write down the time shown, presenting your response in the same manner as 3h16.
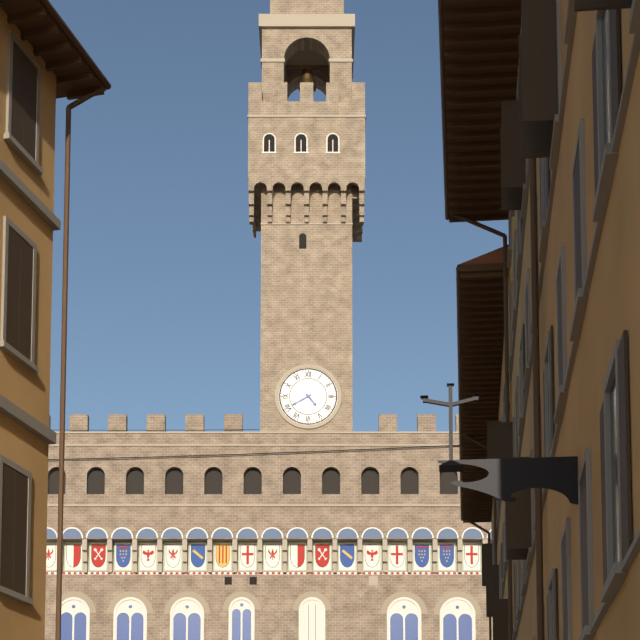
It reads 4h40
